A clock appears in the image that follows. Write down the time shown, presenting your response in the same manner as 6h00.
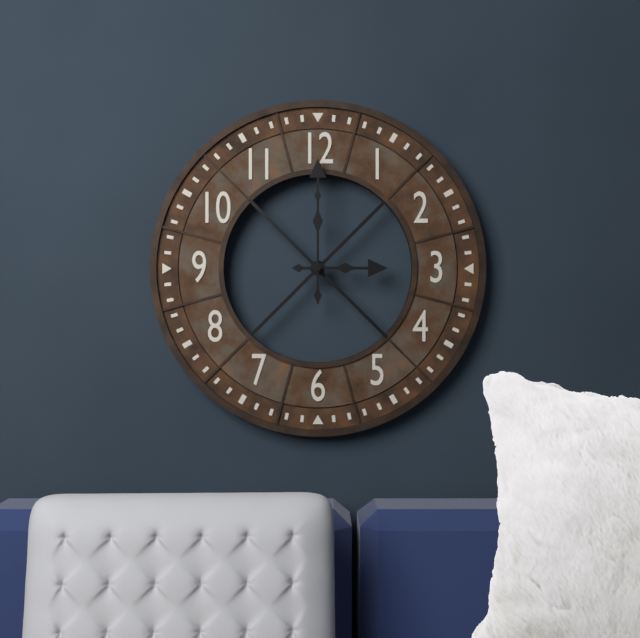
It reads 3h00
